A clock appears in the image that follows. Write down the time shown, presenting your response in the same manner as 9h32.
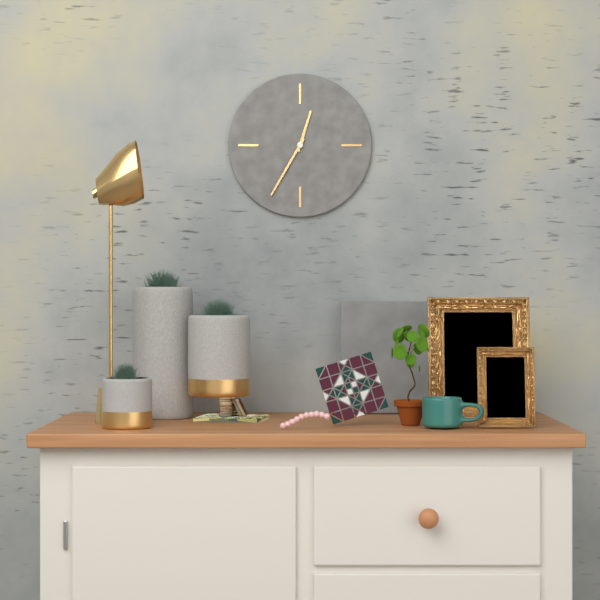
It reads 12h35
